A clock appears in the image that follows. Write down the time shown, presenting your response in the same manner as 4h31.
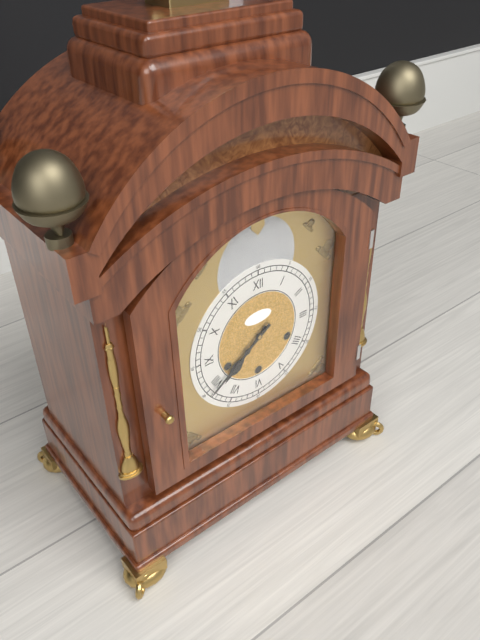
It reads 7h39
